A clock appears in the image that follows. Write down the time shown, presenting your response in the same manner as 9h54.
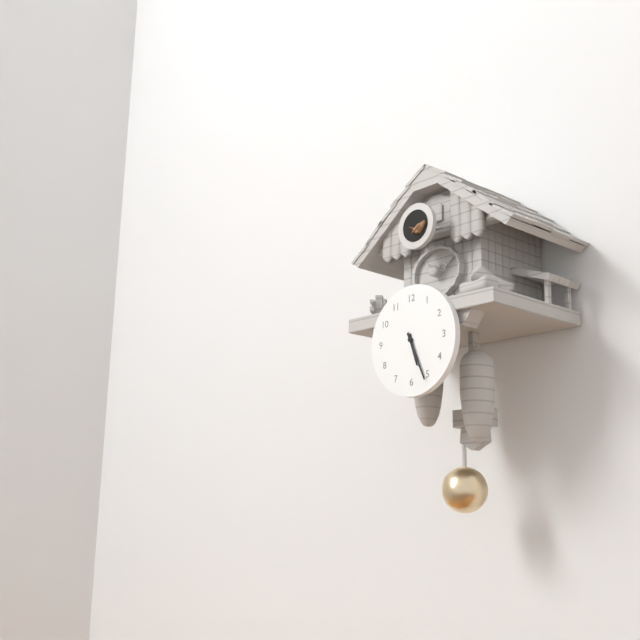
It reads 5h26
